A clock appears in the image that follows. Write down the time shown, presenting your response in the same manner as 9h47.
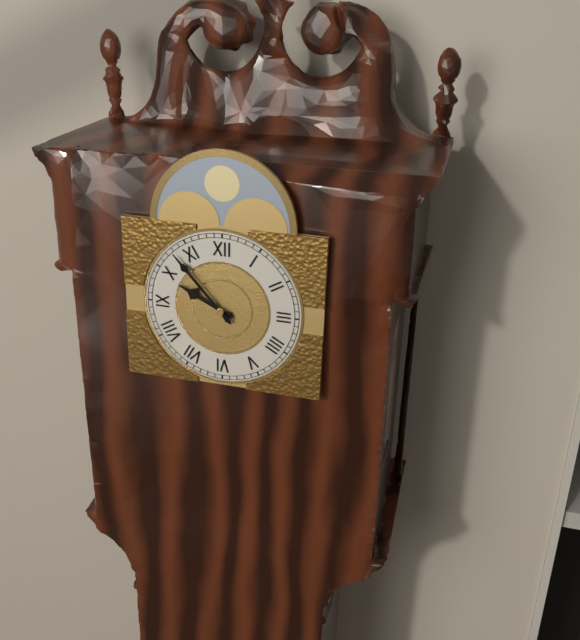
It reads 9h53
